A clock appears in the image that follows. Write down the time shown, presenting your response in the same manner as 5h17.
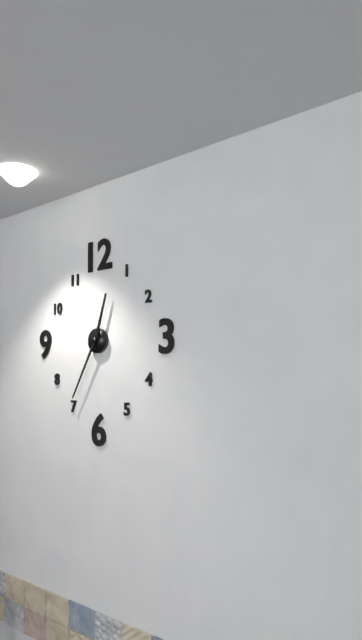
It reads 12h35
